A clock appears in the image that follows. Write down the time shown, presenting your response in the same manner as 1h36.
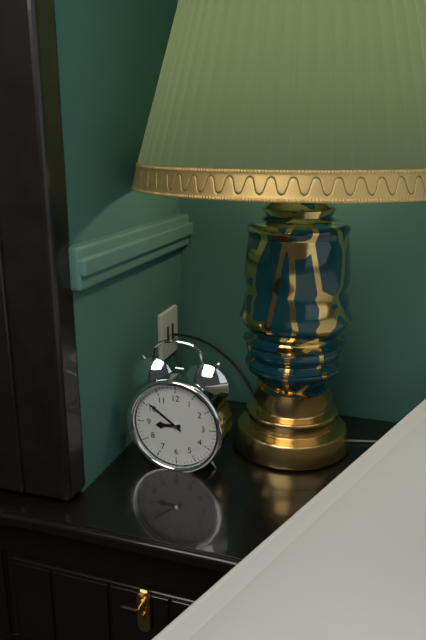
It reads 8h51
